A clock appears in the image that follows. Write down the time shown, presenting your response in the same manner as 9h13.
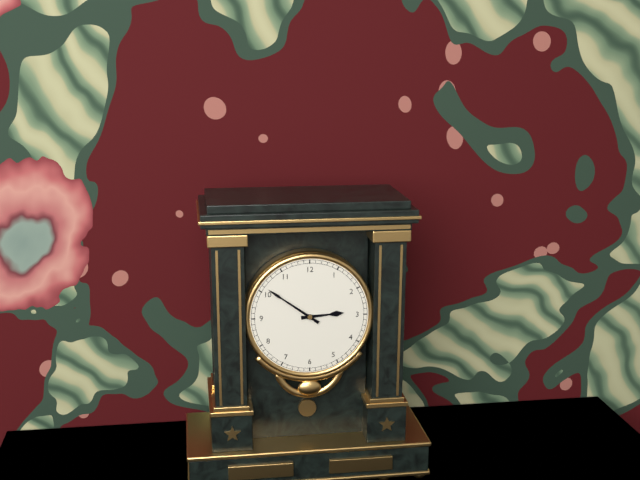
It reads 2h51
